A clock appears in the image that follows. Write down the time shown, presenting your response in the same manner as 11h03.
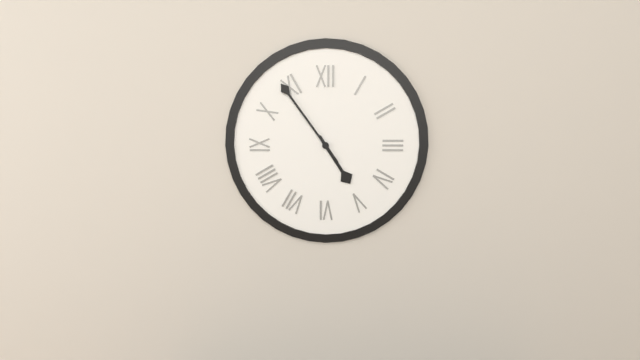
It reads 4h54
